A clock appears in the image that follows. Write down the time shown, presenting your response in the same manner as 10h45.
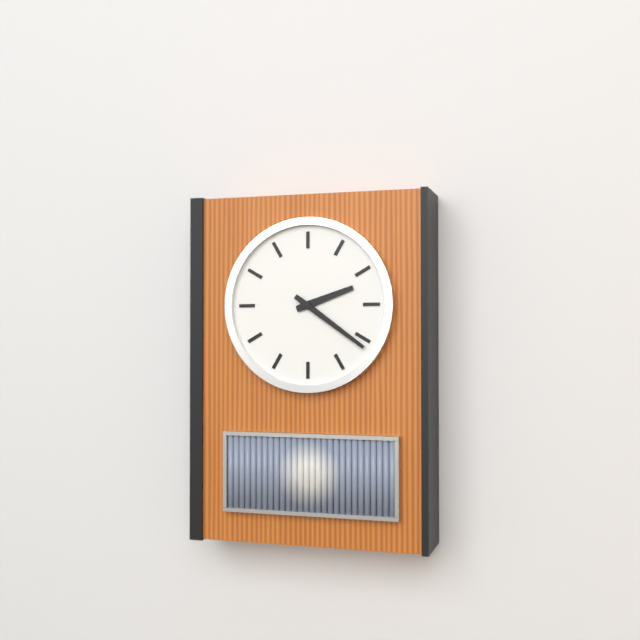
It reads 2h21
